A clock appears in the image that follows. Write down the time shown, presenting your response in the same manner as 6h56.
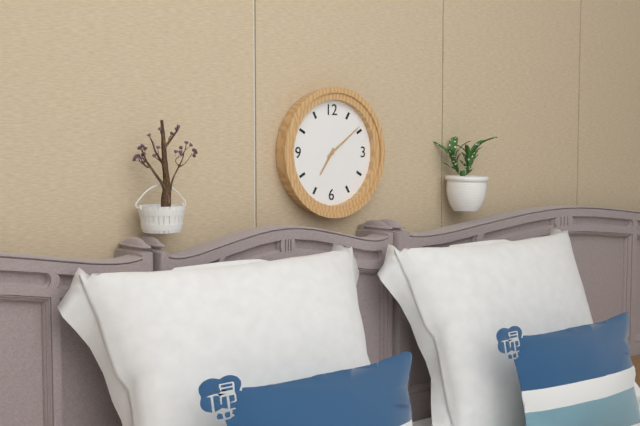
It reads 7h09
